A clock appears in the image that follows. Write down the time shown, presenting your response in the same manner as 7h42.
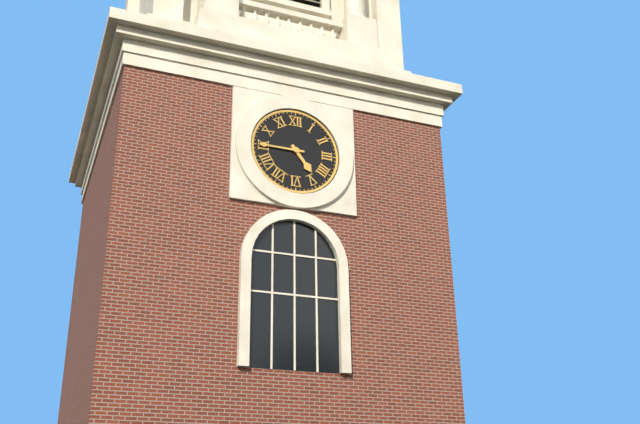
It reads 4h45
